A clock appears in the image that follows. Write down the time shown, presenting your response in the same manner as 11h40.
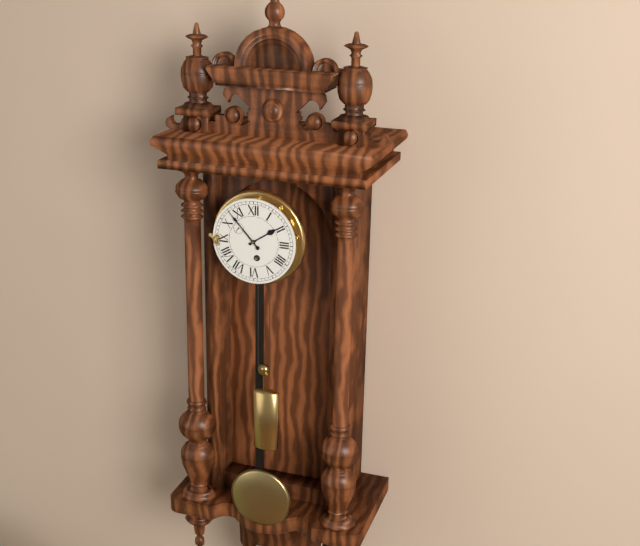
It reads 1h53
